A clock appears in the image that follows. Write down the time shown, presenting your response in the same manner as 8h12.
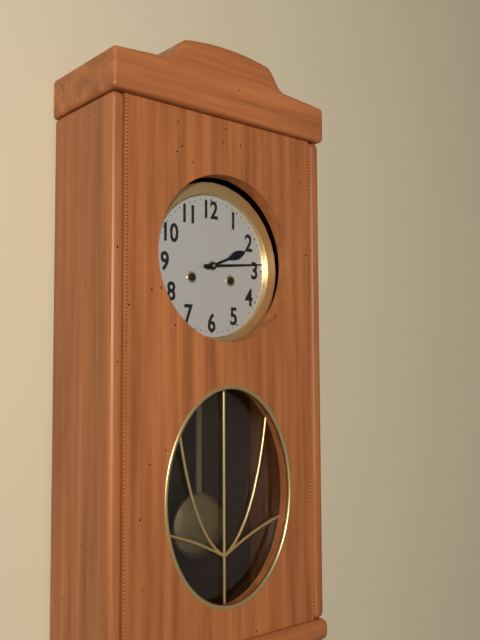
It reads 2h14
